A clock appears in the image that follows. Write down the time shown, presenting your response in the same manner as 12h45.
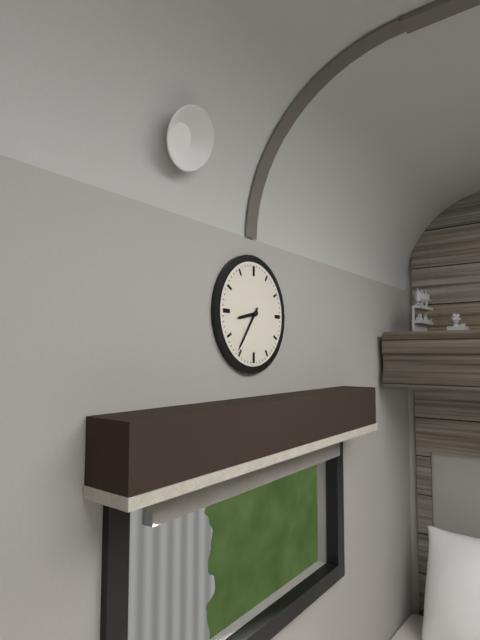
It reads 8h36
